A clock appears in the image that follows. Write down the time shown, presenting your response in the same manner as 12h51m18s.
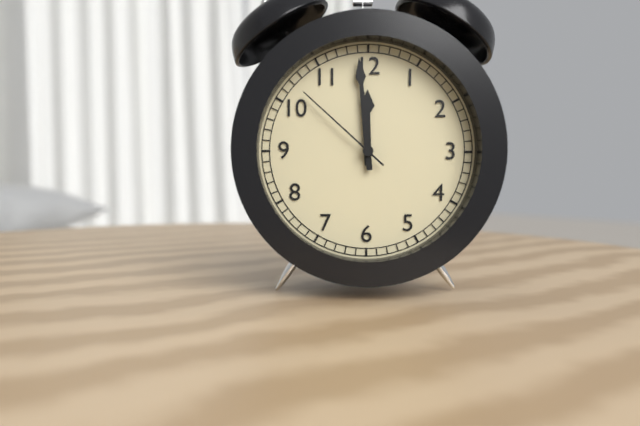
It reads 11h59m52s
